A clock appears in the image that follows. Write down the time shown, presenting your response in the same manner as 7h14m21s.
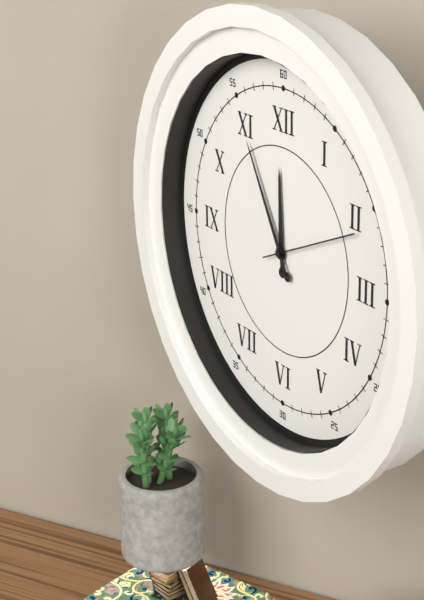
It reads 11h55m11s
